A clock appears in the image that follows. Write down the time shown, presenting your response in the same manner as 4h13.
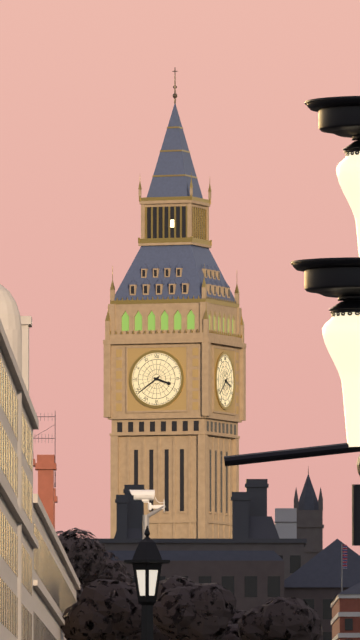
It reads 3h39
